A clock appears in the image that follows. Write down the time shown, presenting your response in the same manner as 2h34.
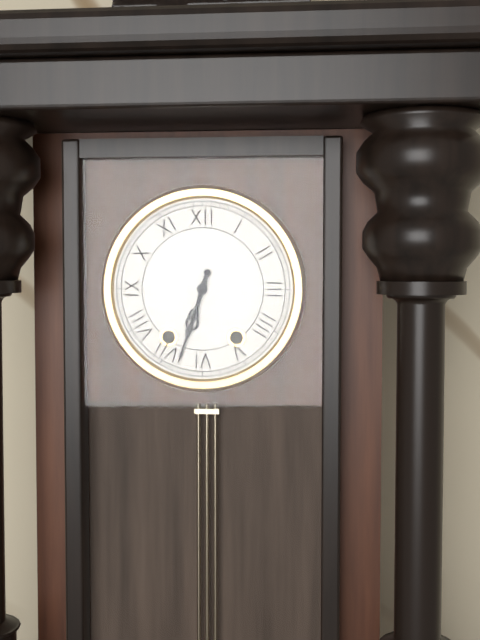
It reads 6h33
